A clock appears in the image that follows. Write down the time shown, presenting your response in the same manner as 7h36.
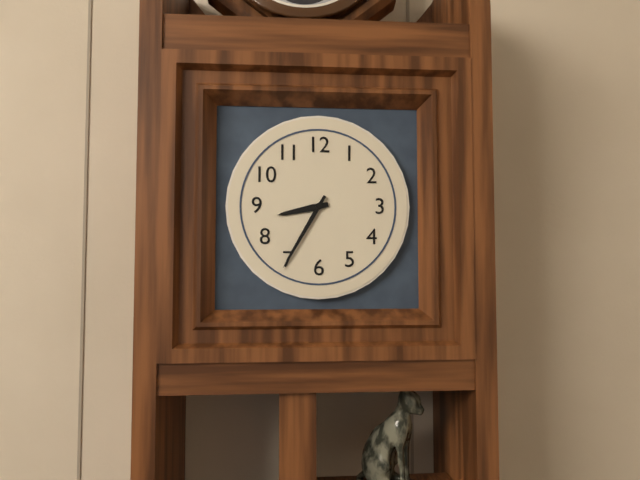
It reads 8h35
